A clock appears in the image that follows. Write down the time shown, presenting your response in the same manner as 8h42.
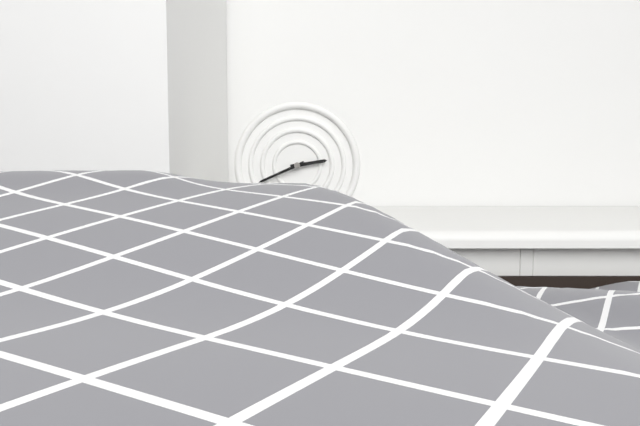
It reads 2h41
